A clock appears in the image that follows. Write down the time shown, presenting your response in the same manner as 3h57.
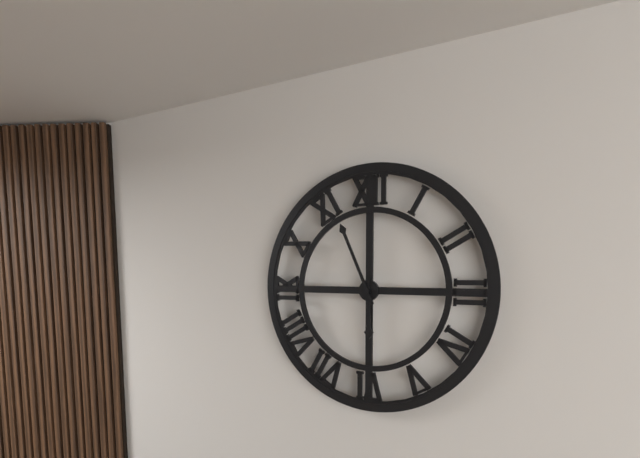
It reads 5h56
